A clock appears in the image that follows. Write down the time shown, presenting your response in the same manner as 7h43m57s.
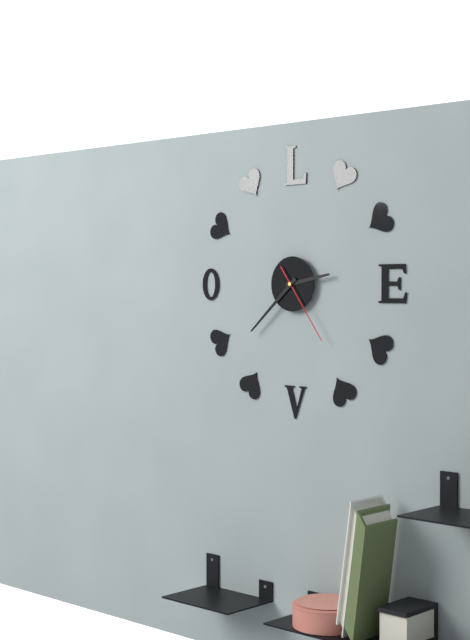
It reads 2h38m24s
